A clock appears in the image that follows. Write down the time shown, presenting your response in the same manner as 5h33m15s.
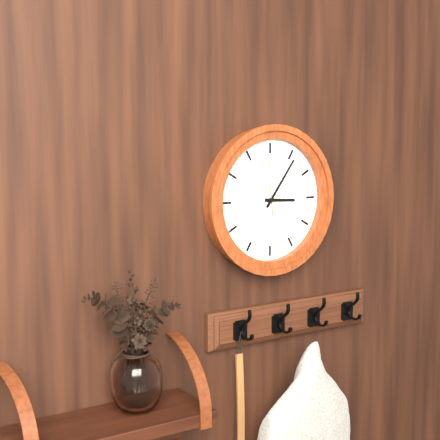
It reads 3h06m59s
